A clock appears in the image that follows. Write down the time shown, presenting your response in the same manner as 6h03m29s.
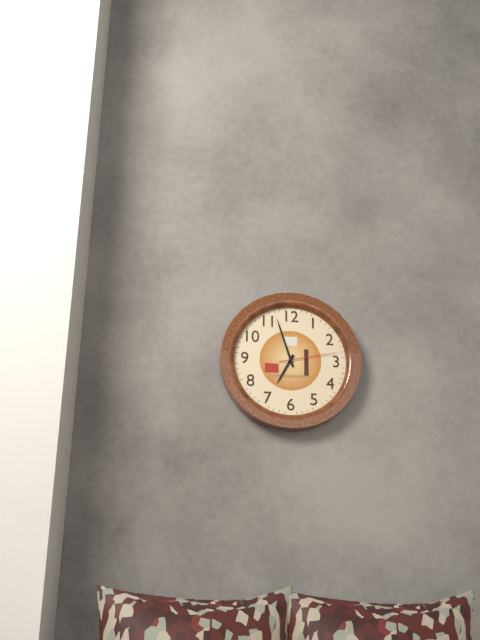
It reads 6h57m13s
